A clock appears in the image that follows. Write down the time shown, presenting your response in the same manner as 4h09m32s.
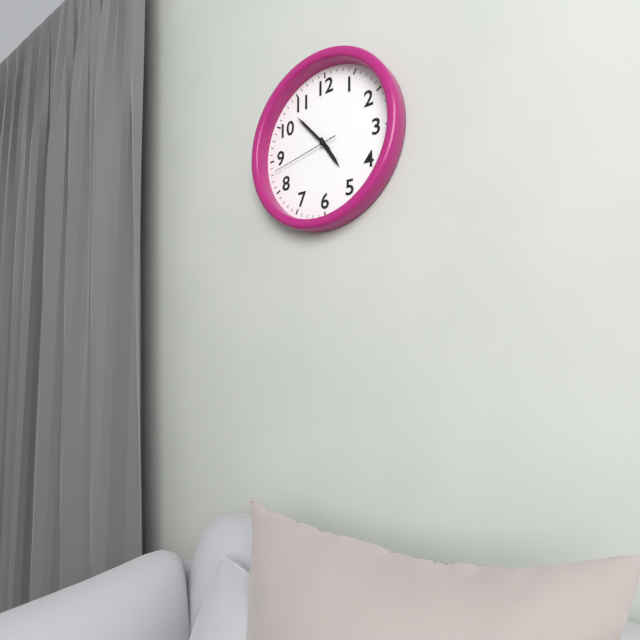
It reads 4h53m43s
